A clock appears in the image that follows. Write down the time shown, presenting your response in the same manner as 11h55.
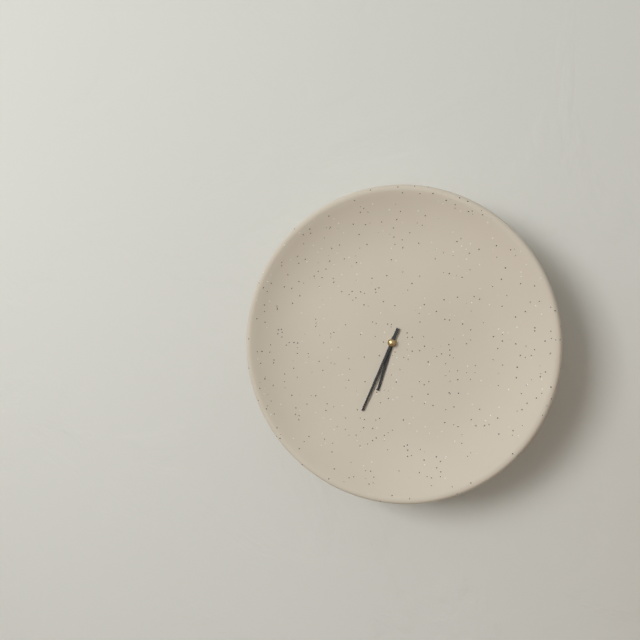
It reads 6h34
